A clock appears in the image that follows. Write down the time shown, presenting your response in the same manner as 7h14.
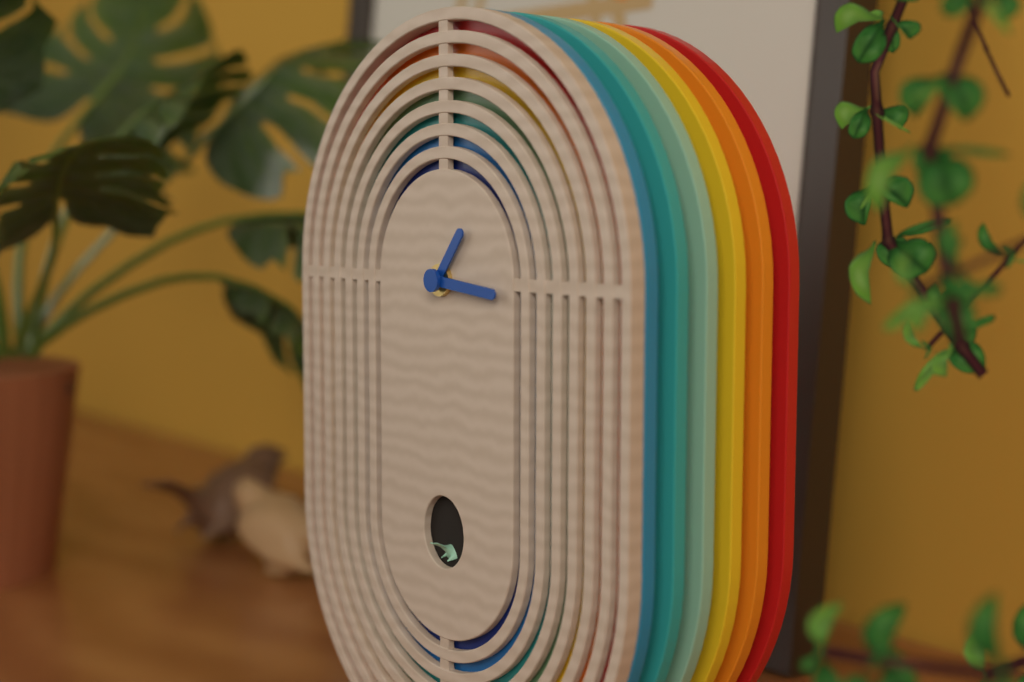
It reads 1h16
